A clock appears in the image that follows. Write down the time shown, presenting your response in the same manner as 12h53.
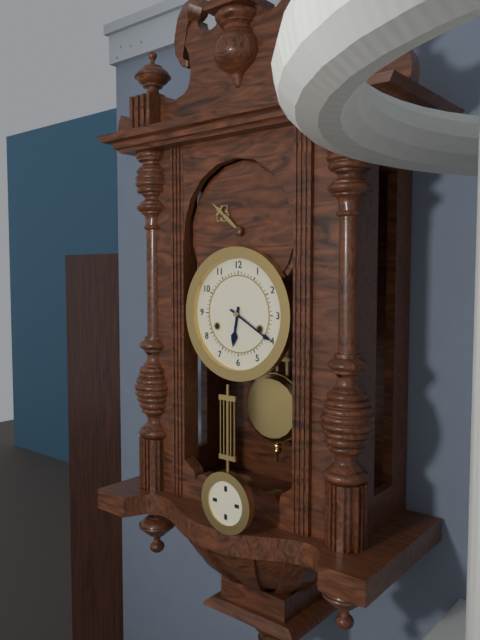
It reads 6h20
